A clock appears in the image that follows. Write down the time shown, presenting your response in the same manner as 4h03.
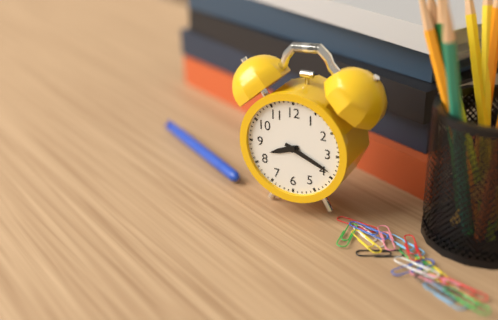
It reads 8h19
